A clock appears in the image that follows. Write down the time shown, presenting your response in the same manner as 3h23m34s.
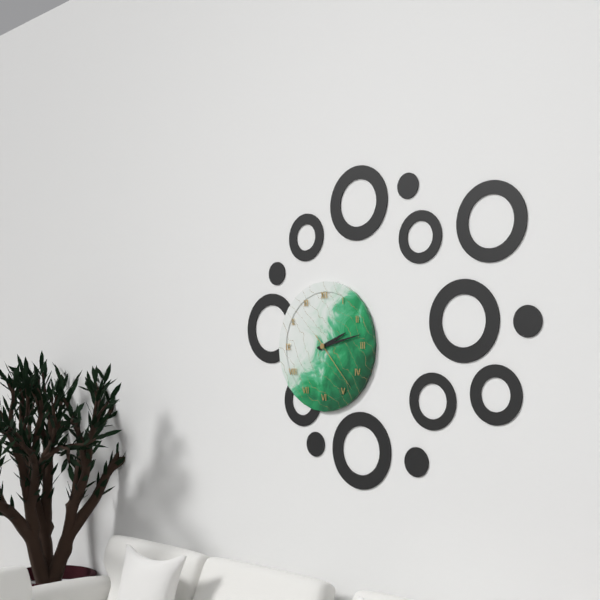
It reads 2h13m23s
